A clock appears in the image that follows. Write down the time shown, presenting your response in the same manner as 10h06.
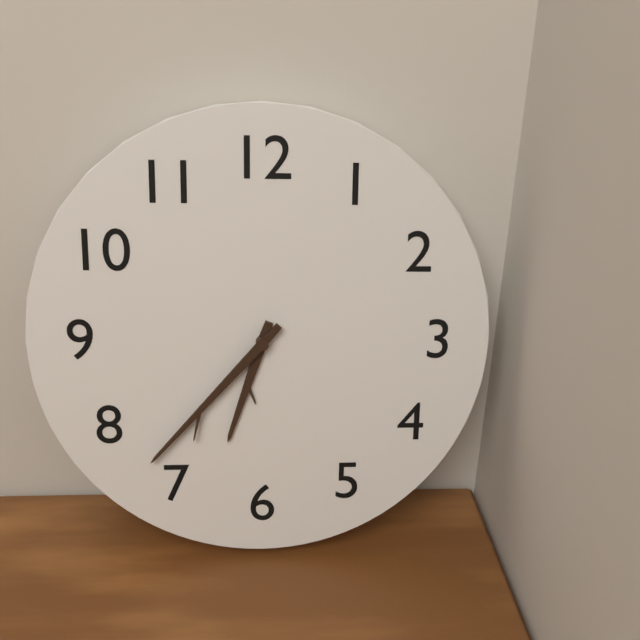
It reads 6h37
